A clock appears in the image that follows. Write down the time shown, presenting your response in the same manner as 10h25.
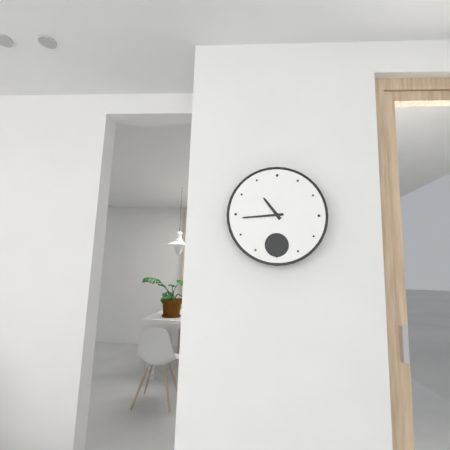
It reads 10h44
